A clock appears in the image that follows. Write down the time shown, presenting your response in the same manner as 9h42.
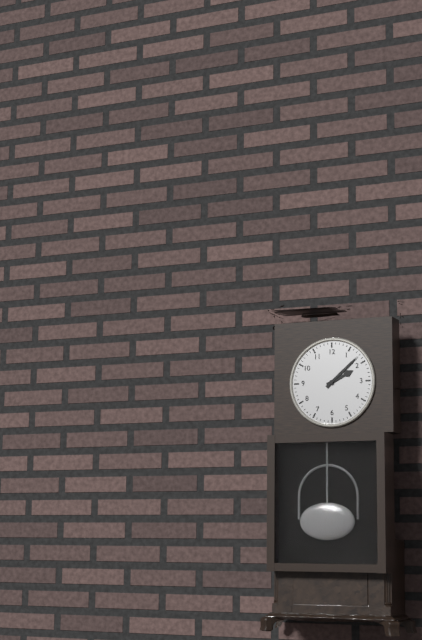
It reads 2h08
